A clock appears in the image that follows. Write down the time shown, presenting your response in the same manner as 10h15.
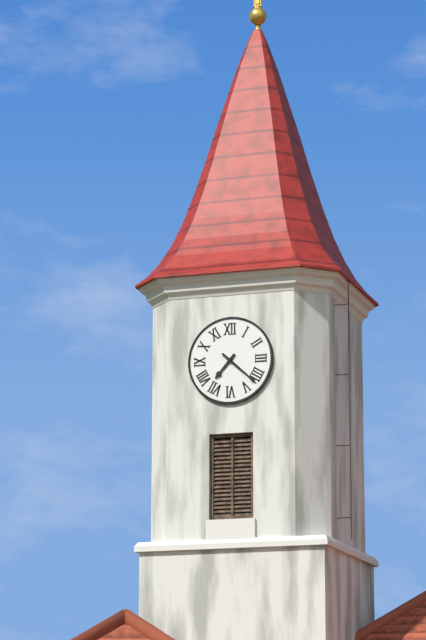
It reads 7h22
